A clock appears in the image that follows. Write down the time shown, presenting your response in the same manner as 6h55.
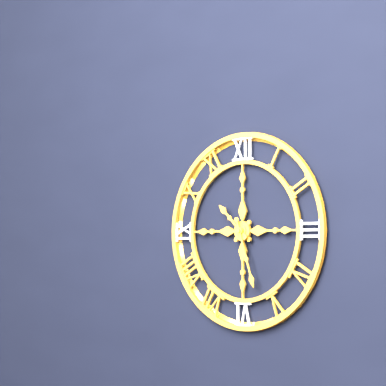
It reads 10h27
